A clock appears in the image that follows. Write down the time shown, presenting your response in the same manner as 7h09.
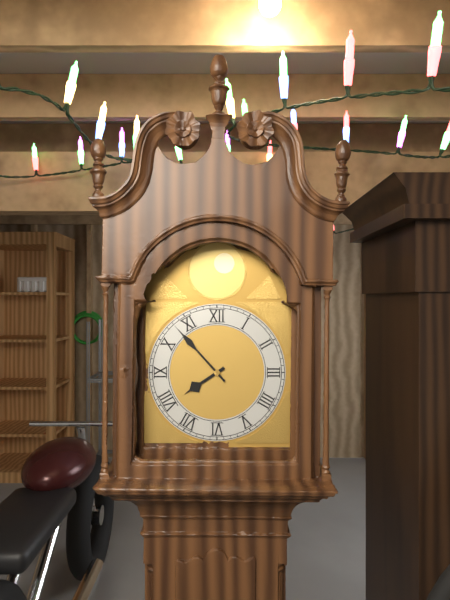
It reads 7h53
